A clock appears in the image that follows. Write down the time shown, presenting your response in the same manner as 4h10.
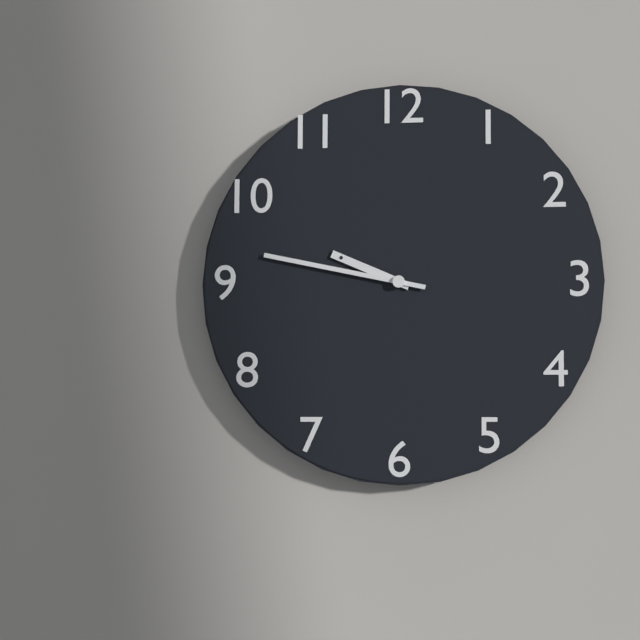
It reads 9h47
